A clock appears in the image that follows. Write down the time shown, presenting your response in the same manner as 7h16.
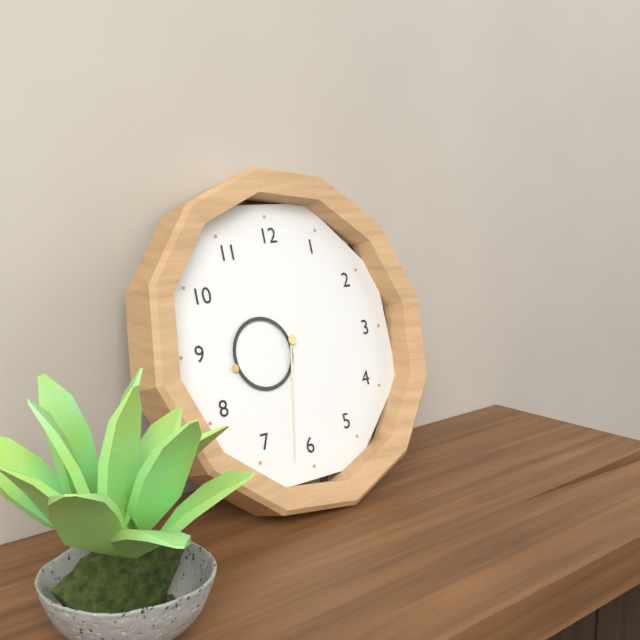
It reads 8h32
